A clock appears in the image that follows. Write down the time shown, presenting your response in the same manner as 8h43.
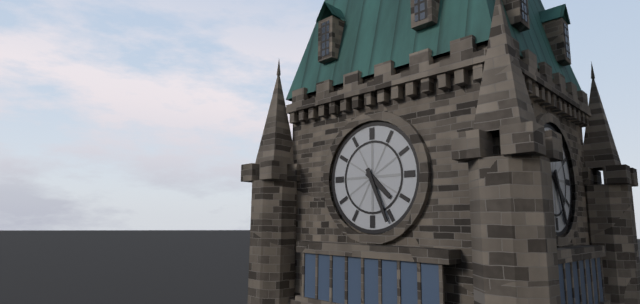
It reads 4h26
